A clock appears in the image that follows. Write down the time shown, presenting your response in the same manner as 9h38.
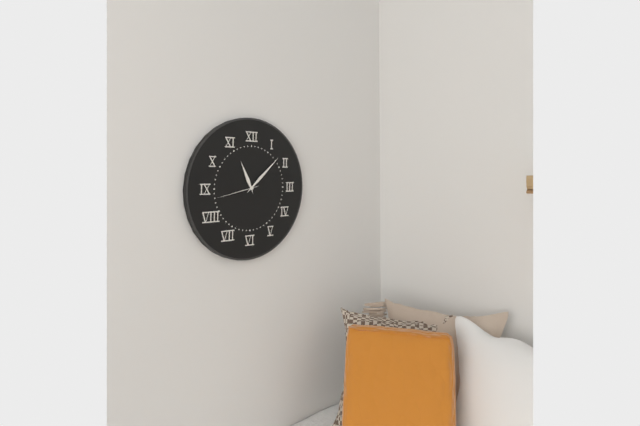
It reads 11h08
